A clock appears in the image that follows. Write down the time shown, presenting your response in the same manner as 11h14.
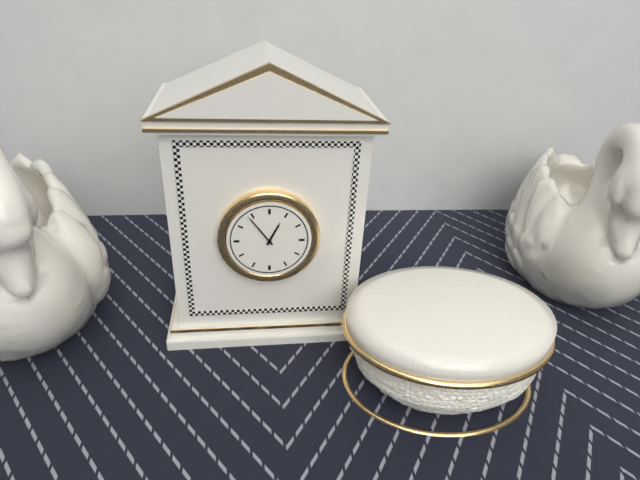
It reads 12h54
